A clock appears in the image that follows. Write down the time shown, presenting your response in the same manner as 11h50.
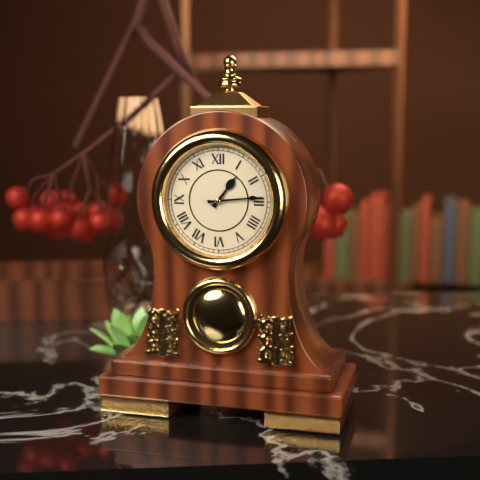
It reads 1h14
